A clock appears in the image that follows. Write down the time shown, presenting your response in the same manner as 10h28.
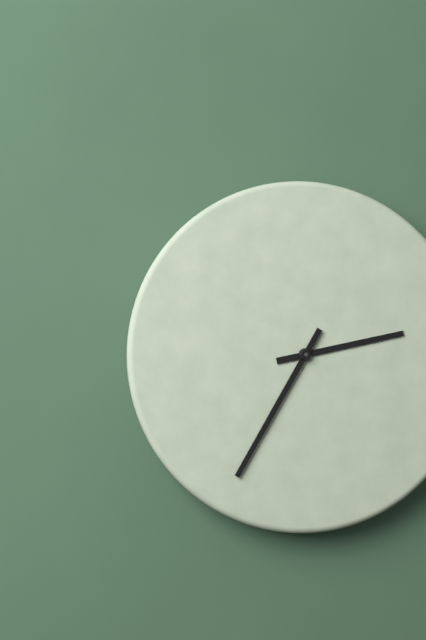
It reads 2h35
